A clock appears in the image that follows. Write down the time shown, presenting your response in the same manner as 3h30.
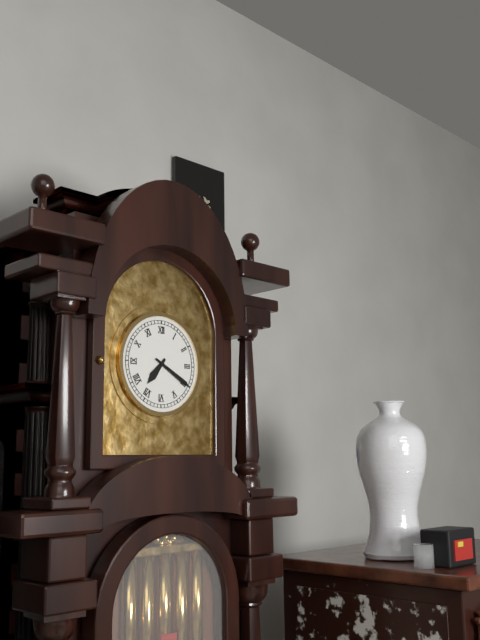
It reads 7h20
